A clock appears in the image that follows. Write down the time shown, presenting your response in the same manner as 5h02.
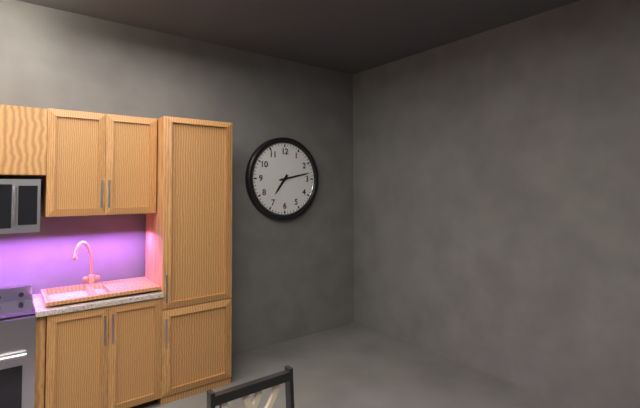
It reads 7h13
